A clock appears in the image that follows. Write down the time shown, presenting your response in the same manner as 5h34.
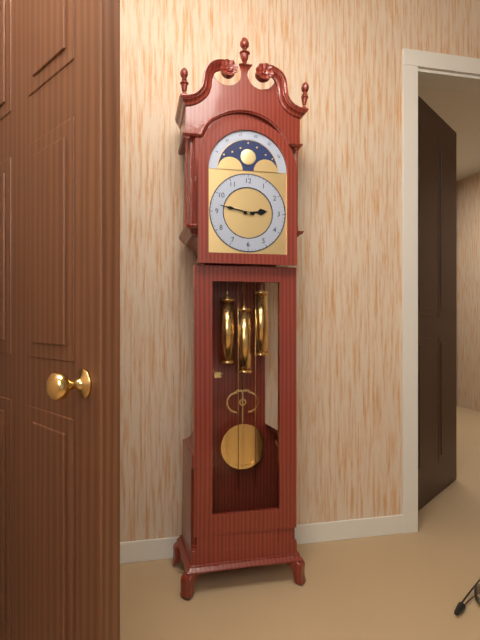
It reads 2h47
